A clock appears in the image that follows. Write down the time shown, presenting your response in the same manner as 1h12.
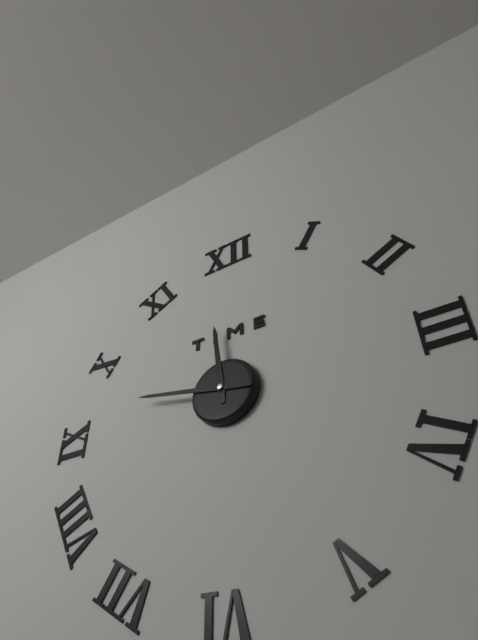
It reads 11h47
